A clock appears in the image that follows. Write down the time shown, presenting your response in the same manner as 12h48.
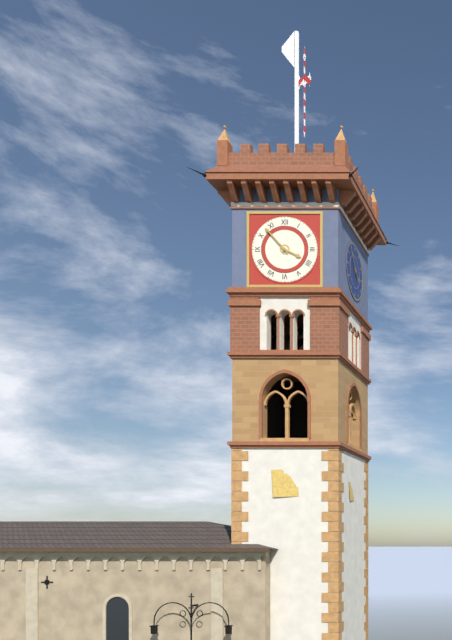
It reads 3h53
